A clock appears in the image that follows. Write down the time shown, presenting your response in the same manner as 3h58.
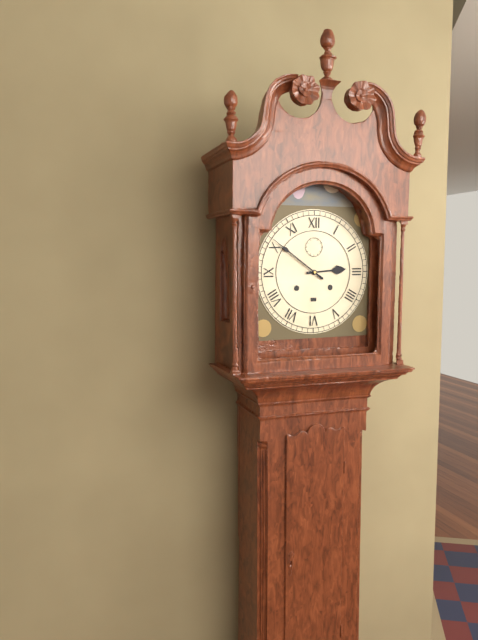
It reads 2h51
